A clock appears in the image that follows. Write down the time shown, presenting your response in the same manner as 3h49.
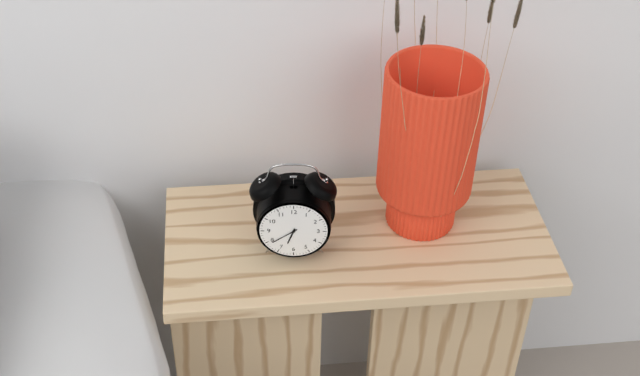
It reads 6h39
